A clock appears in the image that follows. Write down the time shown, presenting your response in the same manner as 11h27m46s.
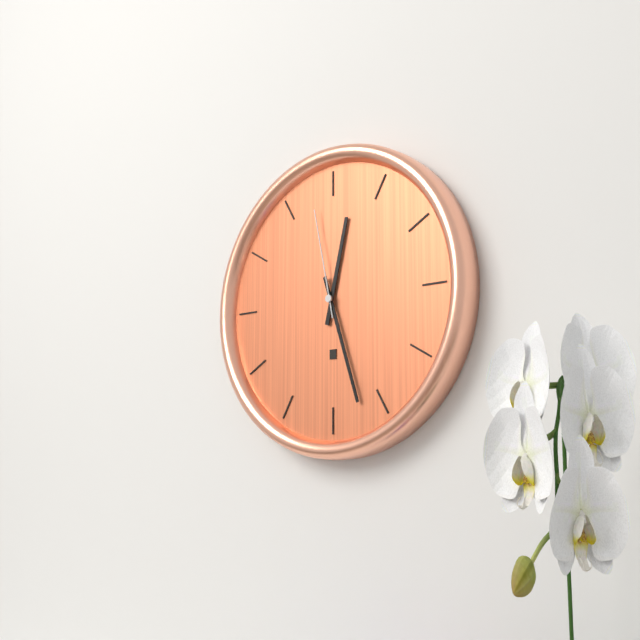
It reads 12h27m58s
